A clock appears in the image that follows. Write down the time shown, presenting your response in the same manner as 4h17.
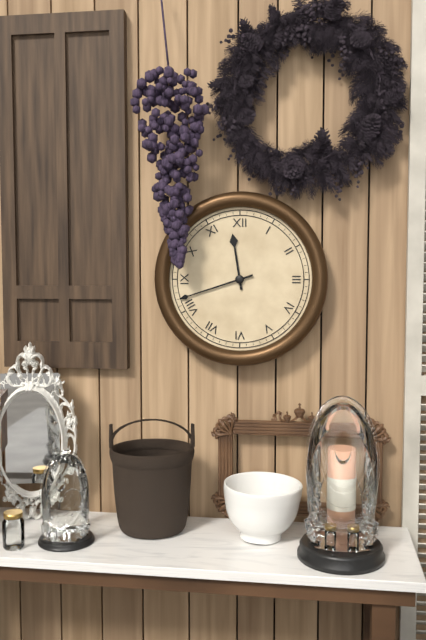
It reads 11h42
